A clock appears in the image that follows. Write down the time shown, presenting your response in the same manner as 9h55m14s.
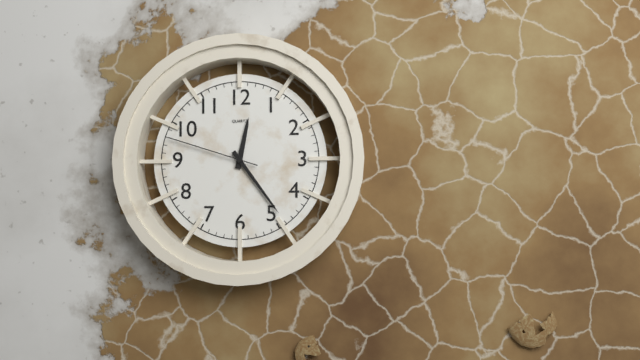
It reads 12h24m48s
